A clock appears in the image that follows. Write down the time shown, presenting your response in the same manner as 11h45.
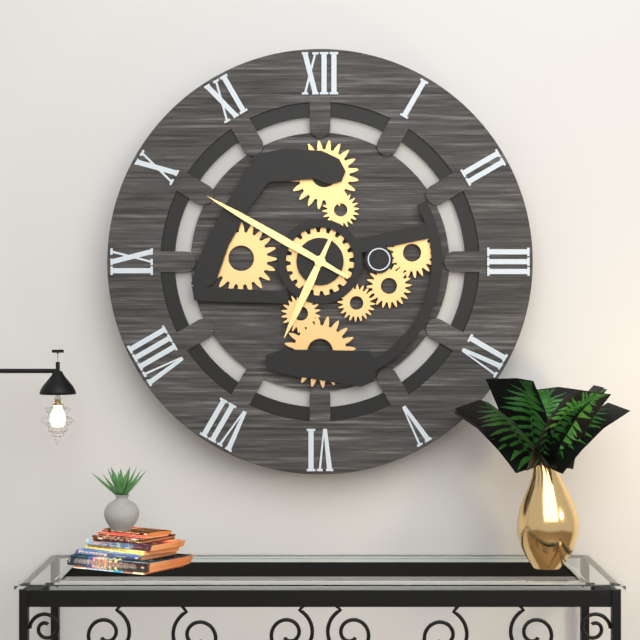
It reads 6h50
